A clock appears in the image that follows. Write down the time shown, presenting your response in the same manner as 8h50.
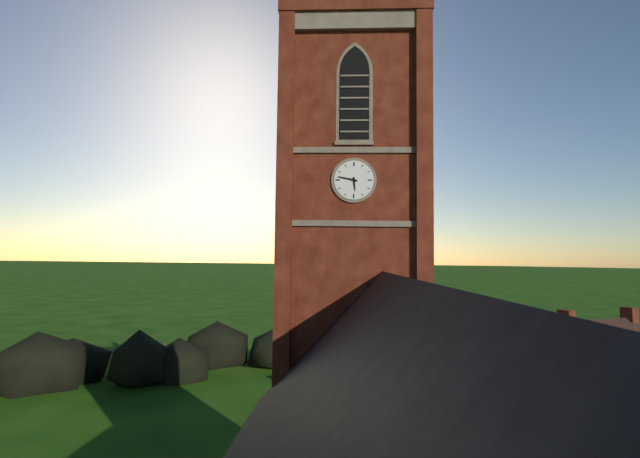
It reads 5h47
